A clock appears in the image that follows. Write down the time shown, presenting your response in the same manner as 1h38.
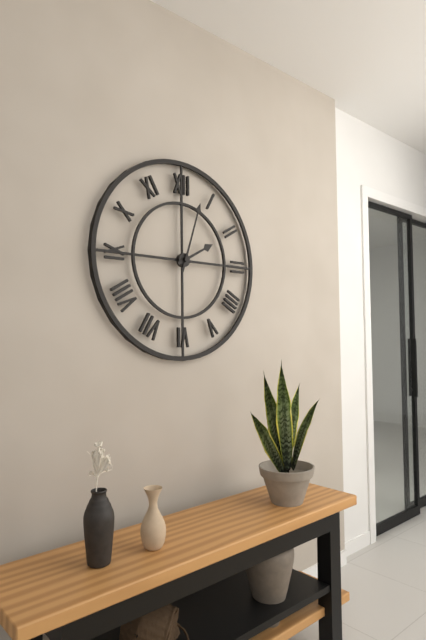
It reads 2h03
